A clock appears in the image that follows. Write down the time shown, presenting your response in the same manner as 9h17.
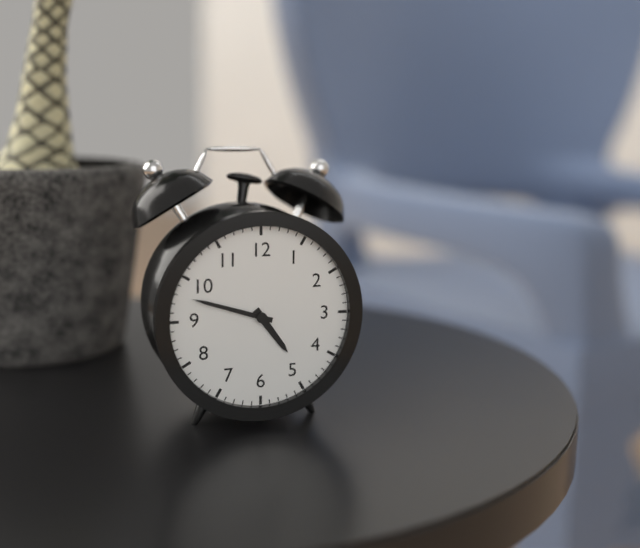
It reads 4h48
